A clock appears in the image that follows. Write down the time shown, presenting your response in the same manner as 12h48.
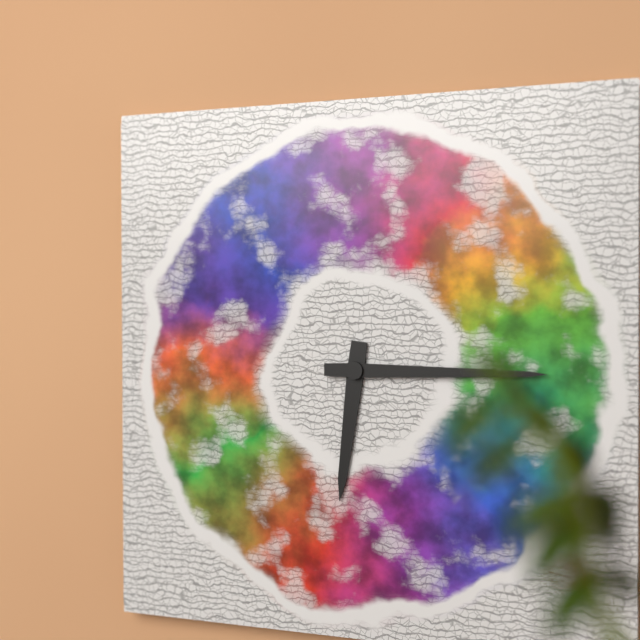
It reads 6h15
